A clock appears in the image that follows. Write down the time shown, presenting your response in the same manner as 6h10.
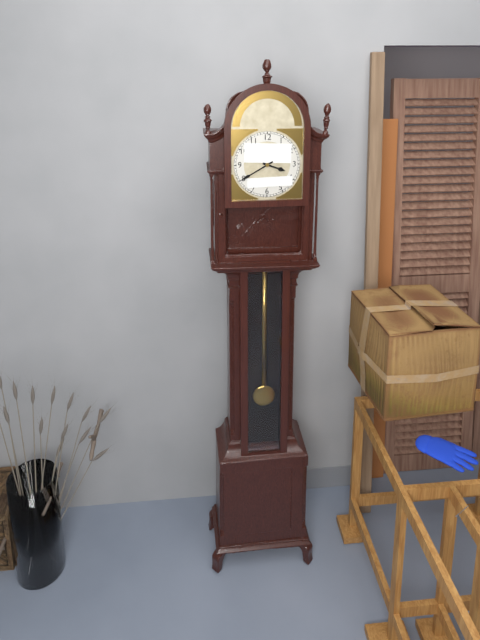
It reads 3h40
